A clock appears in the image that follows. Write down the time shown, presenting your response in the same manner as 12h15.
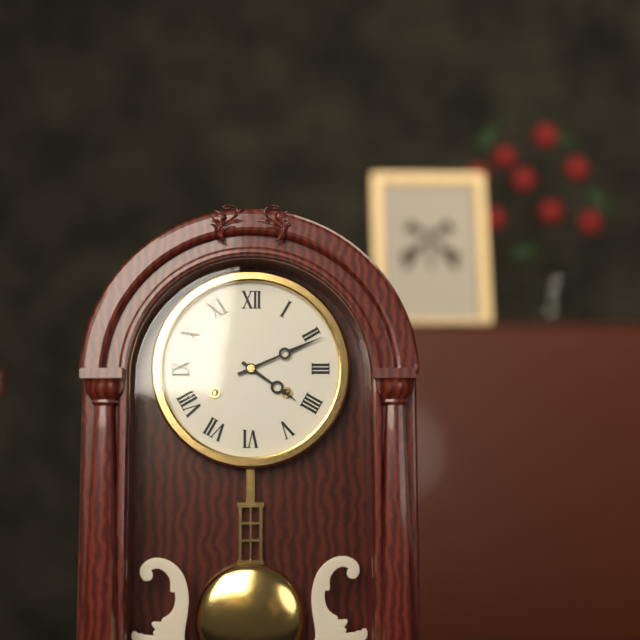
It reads 4h11
